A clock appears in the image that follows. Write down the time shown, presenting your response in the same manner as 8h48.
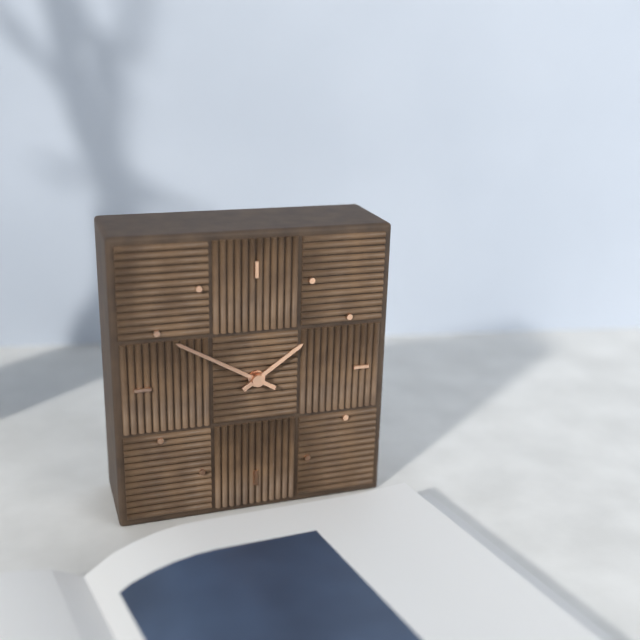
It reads 1h50
